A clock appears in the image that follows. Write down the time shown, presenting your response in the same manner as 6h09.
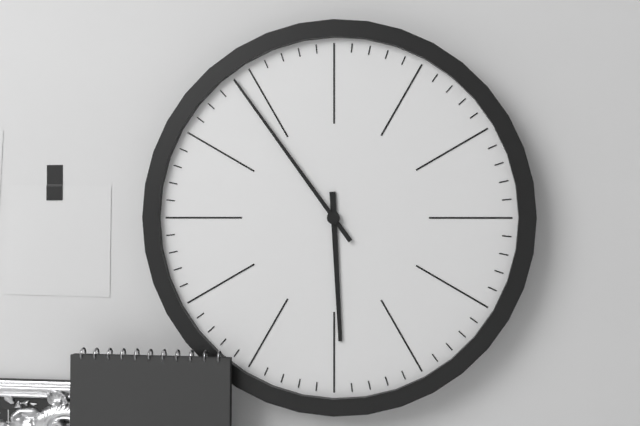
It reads 5h54
